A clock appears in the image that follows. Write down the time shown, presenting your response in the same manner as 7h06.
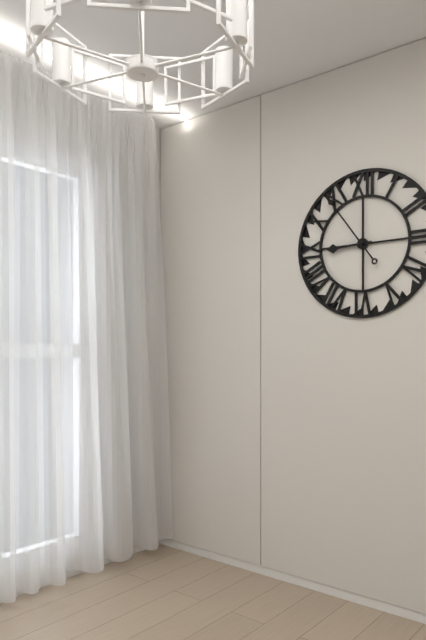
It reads 8h54
